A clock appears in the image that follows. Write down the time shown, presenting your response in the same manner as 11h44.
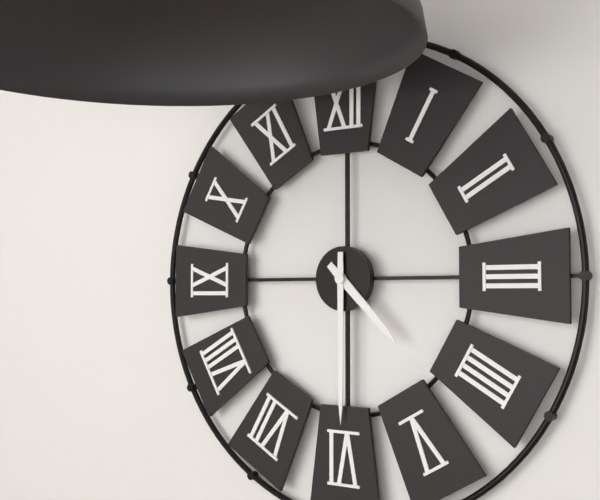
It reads 4h30
